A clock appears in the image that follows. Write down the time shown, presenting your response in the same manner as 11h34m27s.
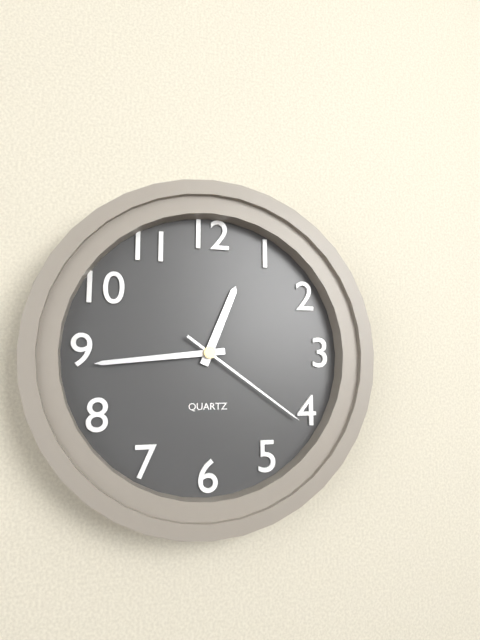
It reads 12h44m21s
